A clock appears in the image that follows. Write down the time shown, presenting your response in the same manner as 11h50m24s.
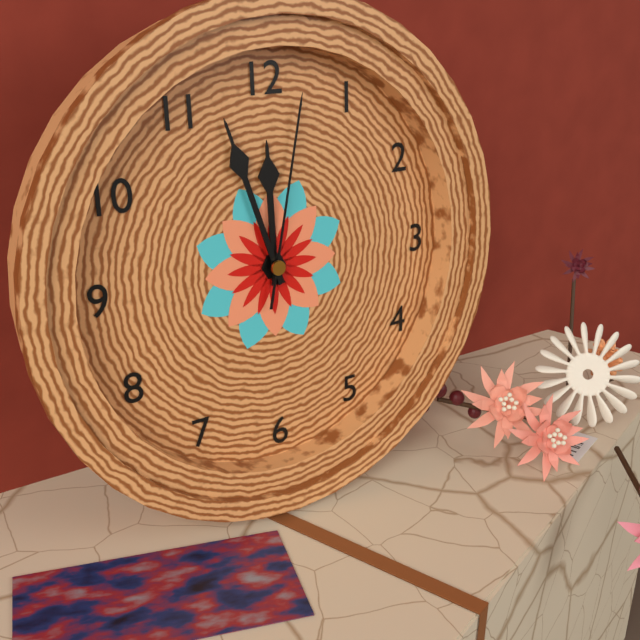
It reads 11h57m02s
